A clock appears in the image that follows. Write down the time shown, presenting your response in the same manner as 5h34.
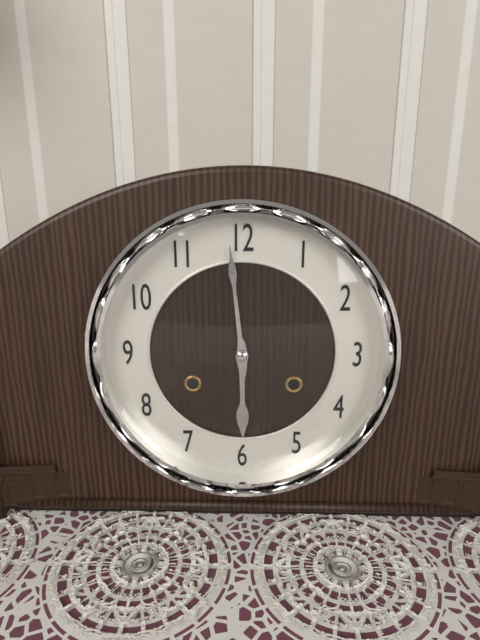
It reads 5h59
